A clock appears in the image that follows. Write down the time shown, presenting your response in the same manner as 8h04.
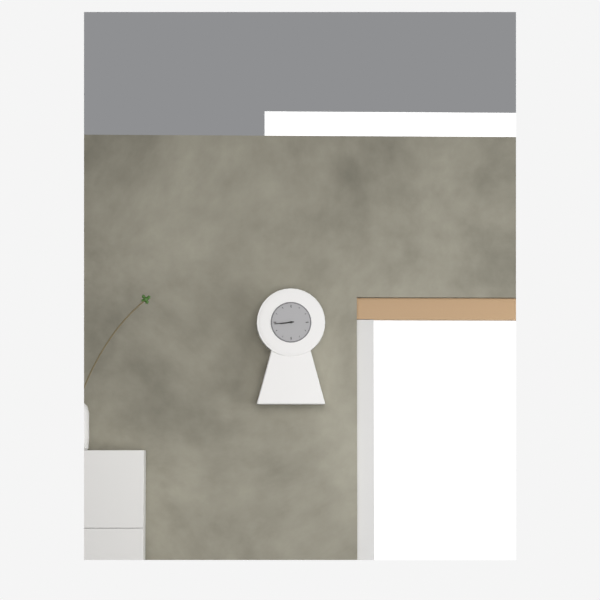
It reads 8h44
